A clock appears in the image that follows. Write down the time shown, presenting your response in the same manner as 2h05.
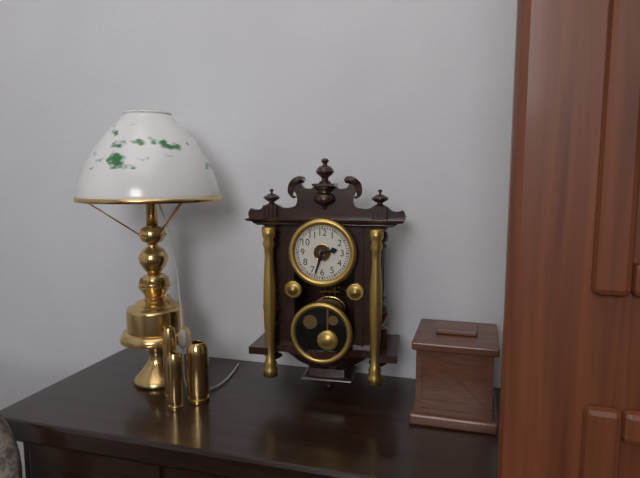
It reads 2h33
